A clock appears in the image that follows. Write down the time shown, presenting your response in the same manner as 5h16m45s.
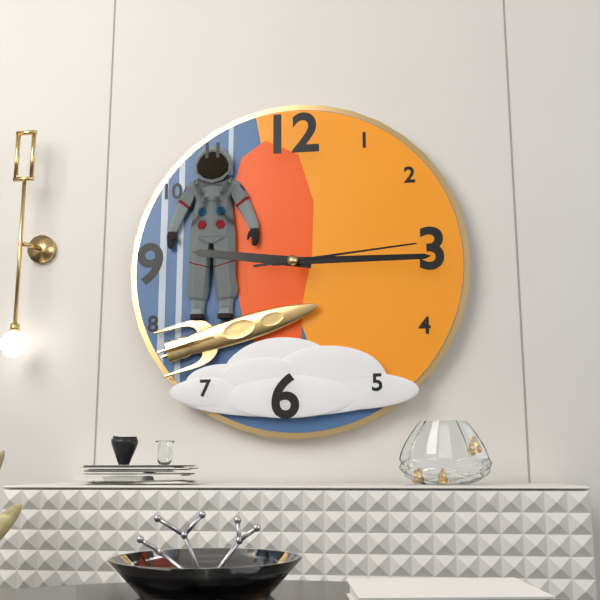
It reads 9h15m14s
